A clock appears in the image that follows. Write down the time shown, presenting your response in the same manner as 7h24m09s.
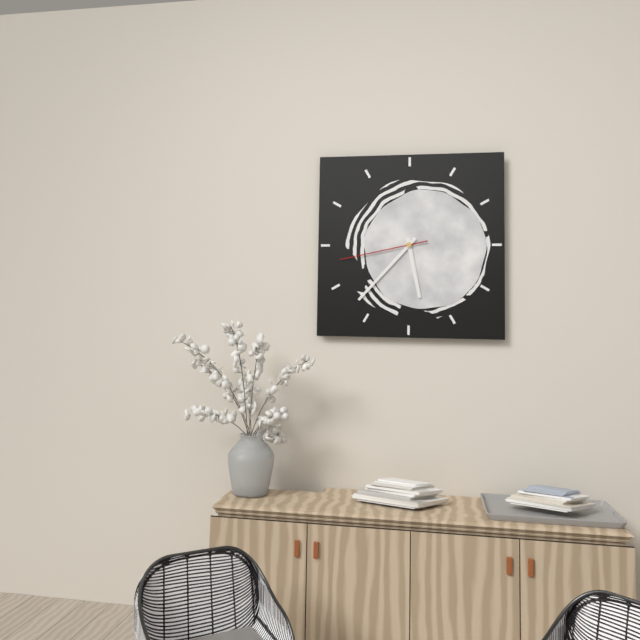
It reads 5h37m43s
